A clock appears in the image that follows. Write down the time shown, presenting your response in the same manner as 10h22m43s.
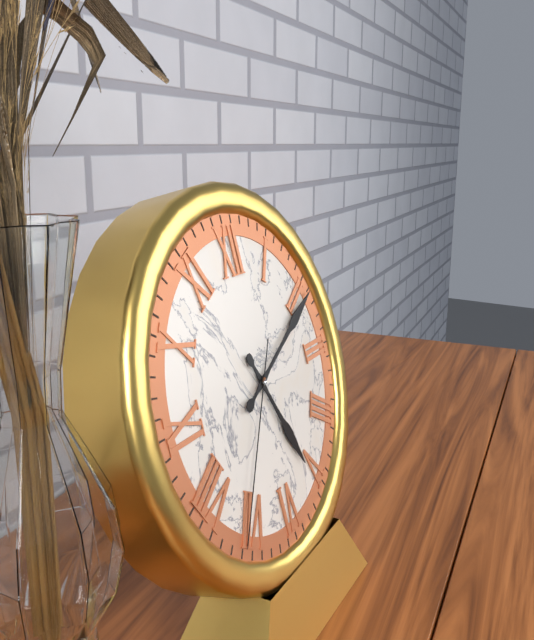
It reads 5h11m36s
